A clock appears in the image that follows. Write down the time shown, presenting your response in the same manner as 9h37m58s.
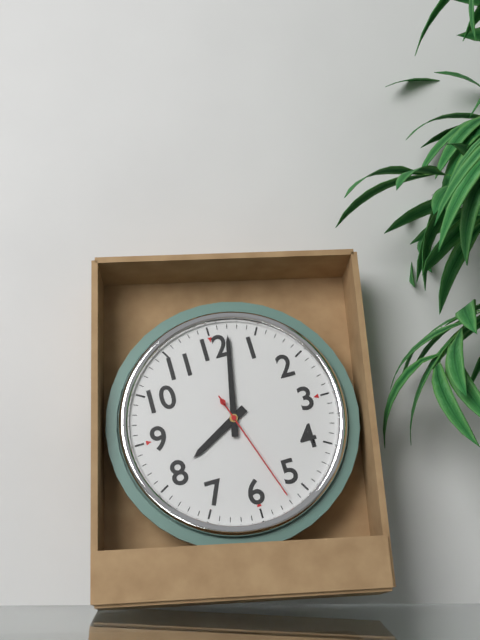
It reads 8h02m27s
